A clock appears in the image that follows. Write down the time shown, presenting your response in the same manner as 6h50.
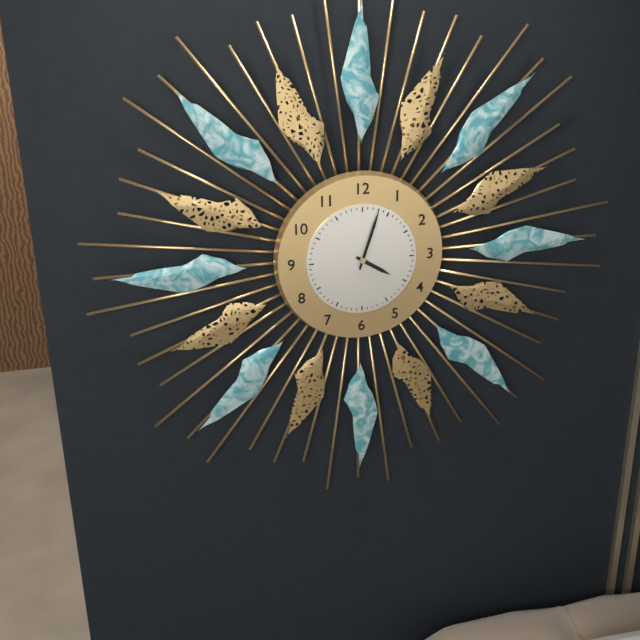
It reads 4h03
